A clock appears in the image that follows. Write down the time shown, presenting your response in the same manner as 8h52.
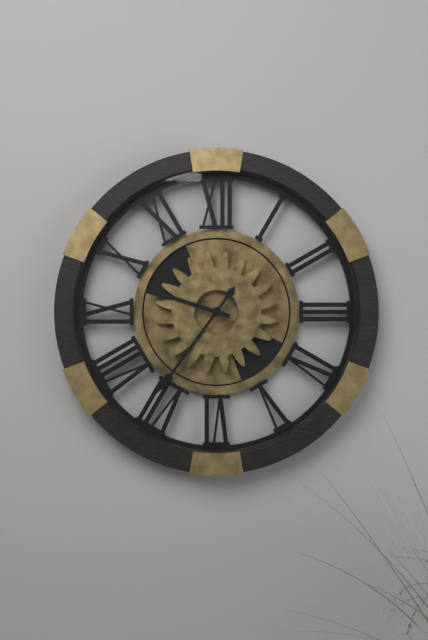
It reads 9h36
